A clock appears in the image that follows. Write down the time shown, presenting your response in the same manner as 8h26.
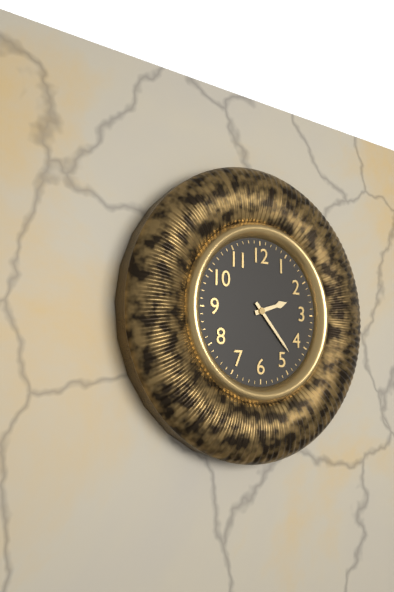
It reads 2h23
